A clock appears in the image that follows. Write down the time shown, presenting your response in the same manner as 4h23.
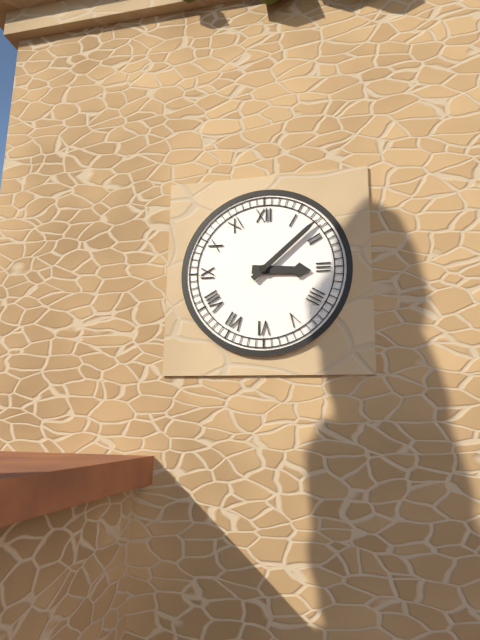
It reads 3h08
